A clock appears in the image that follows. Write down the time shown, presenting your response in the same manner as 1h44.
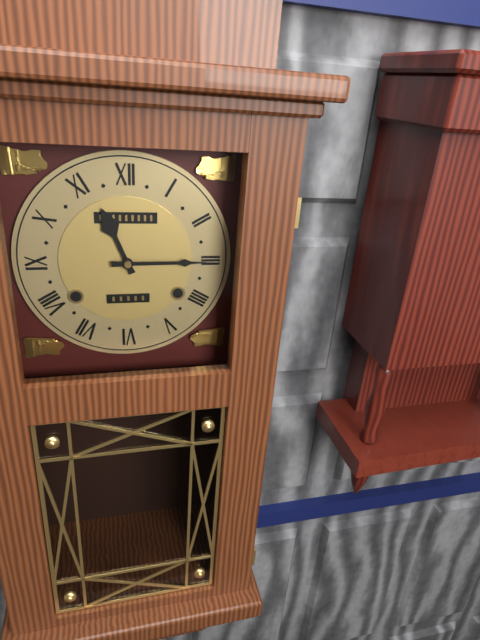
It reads 11h15
